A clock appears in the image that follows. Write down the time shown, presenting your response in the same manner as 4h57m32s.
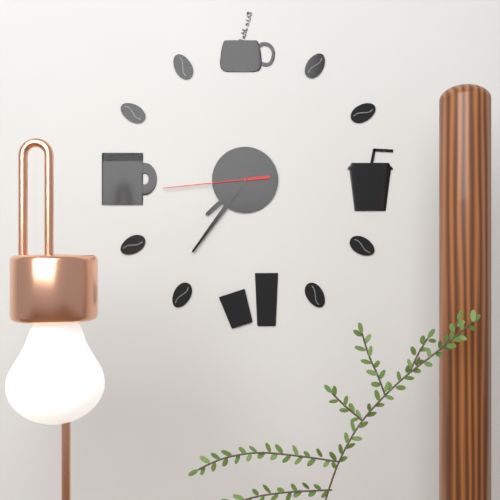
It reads 7h36m44s
